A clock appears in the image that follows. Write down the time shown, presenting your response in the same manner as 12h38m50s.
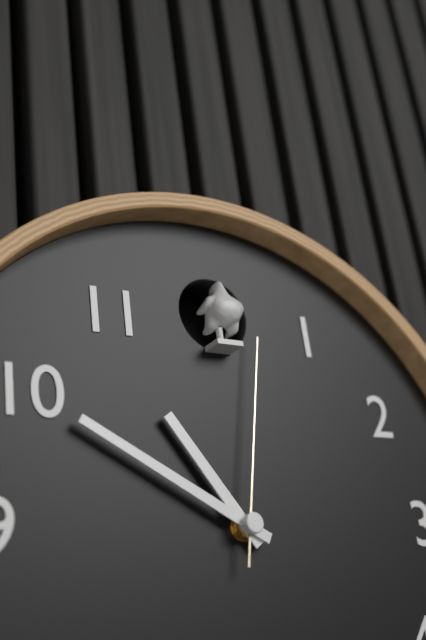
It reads 10h50m02s
